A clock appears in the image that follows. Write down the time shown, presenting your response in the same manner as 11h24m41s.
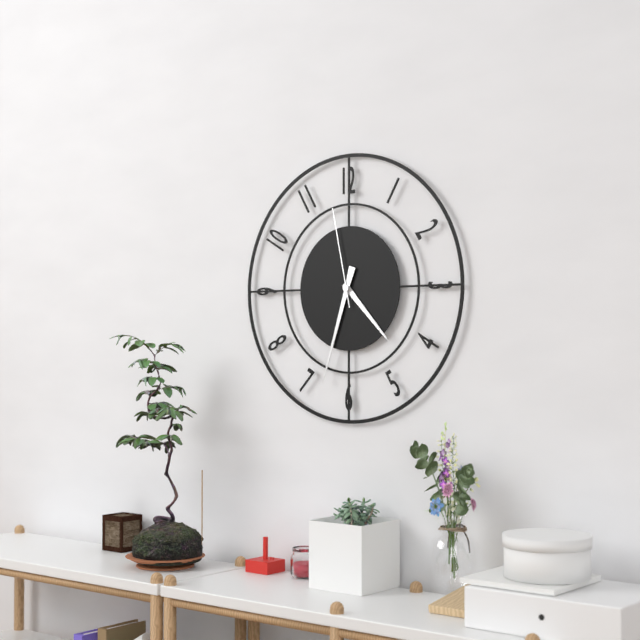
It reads 4h33m58s
